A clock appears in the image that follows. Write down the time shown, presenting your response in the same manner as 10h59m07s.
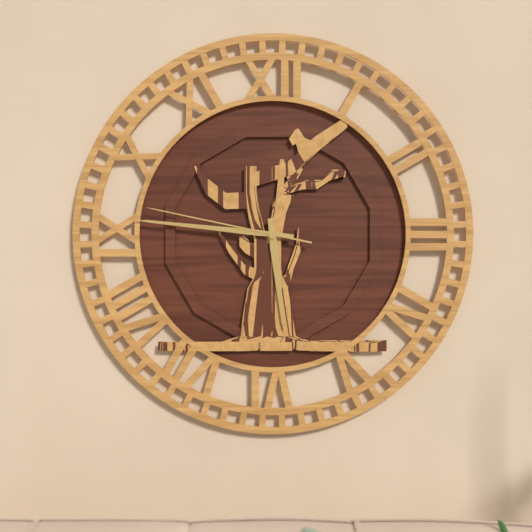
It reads 5h46m47s
